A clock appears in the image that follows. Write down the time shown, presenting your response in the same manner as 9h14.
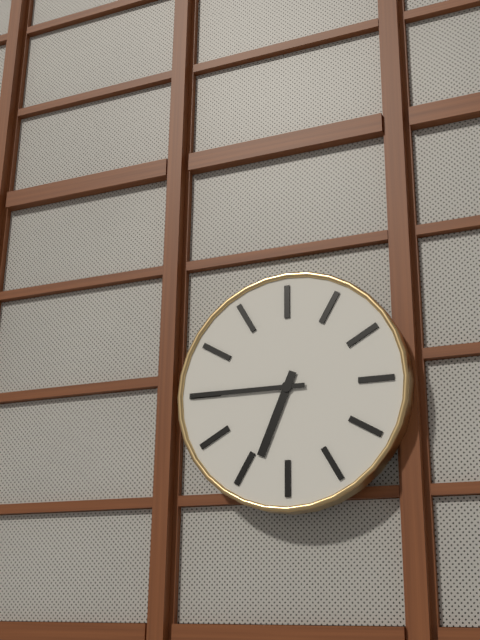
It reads 6h45
